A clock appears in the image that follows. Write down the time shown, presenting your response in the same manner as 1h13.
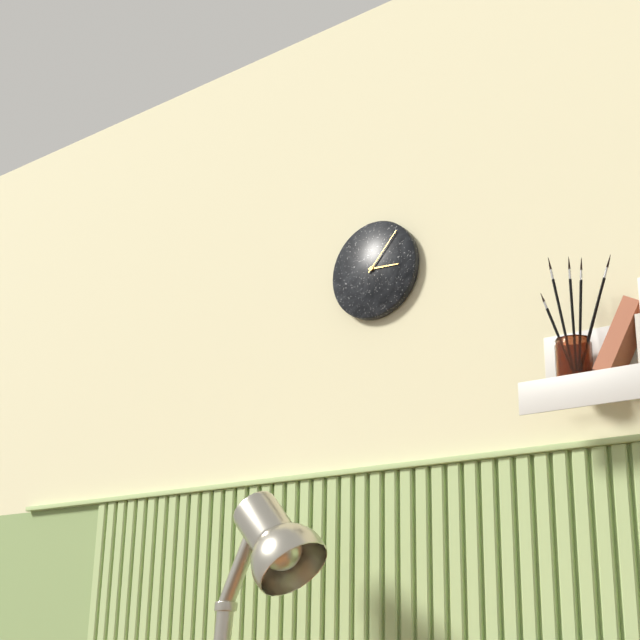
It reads 3h07
